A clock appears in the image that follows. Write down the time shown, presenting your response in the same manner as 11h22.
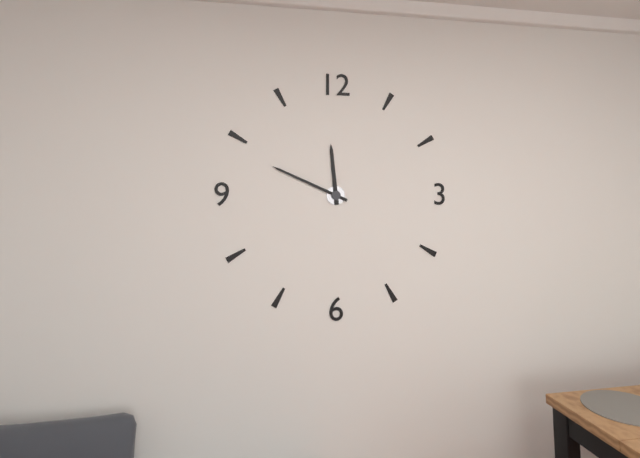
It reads 11h49
